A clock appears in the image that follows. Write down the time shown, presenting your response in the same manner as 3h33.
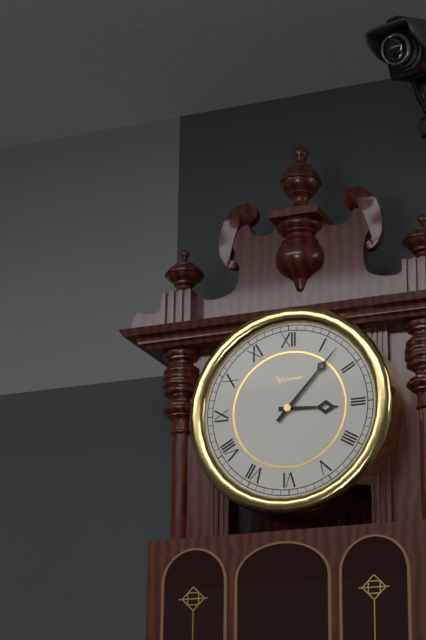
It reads 3h07
